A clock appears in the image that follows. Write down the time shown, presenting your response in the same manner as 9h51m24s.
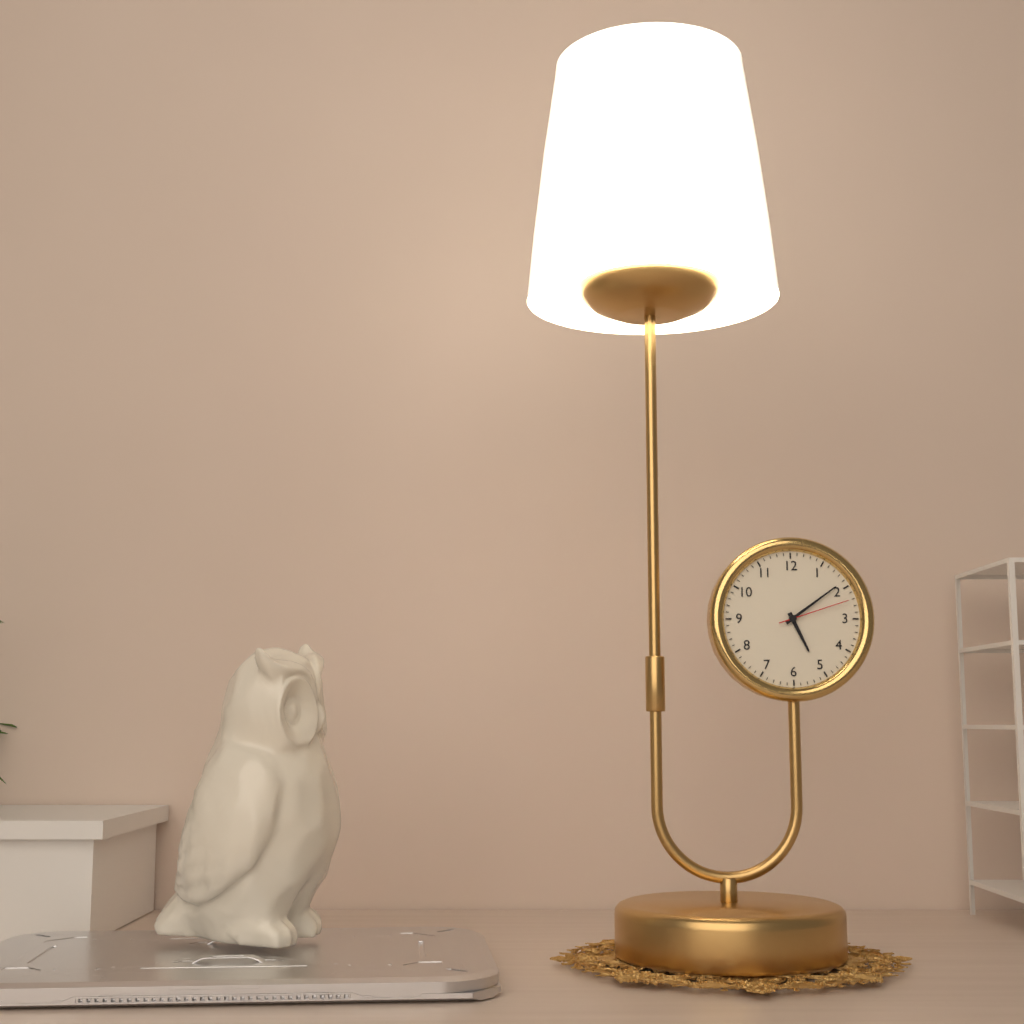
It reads 5h09m12s
